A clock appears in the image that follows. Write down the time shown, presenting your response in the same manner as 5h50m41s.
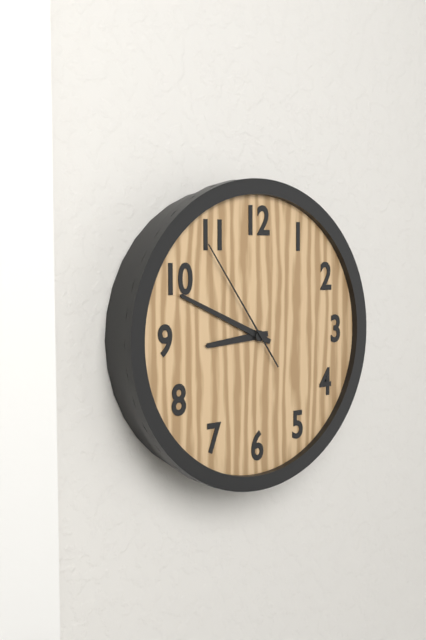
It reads 8h49m54s
